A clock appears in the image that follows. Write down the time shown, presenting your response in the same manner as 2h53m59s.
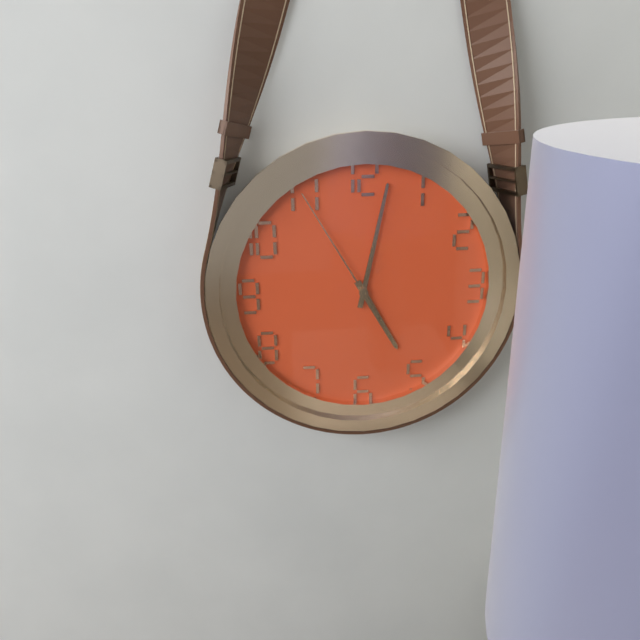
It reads 5h02m55s
